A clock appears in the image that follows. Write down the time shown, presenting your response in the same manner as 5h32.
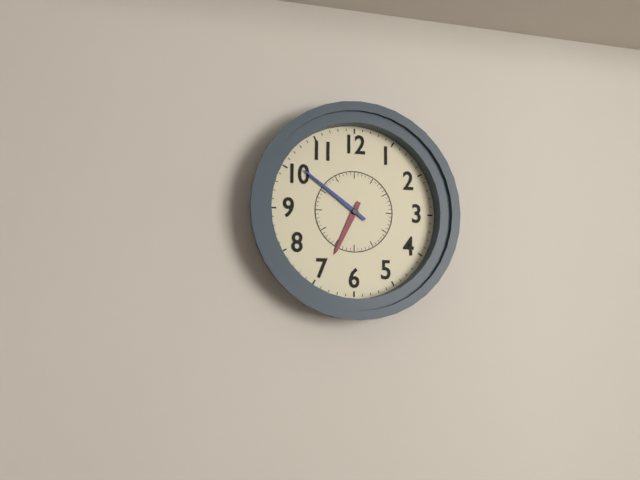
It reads 6h51
